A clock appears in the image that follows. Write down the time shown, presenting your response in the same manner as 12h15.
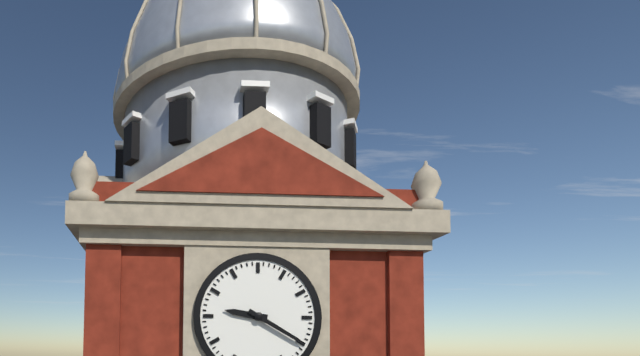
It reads 9h20
